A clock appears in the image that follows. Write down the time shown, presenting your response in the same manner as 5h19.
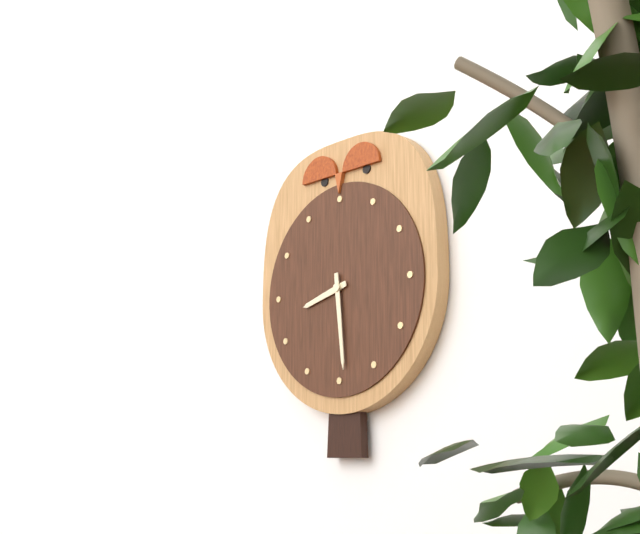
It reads 8h29
